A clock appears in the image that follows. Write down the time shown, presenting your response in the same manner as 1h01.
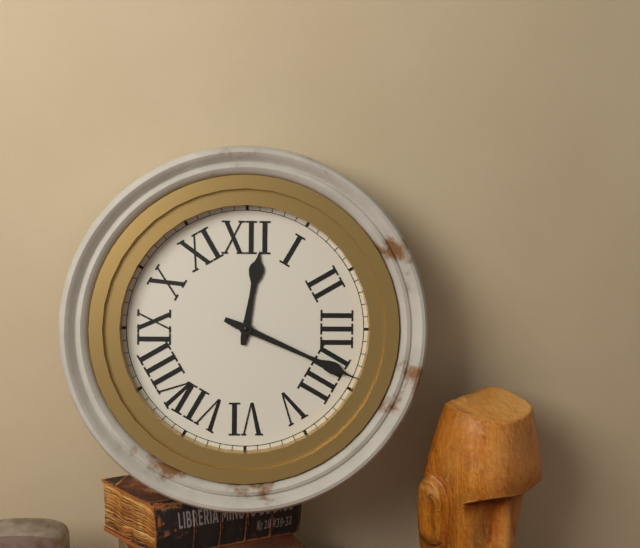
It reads 12h19
